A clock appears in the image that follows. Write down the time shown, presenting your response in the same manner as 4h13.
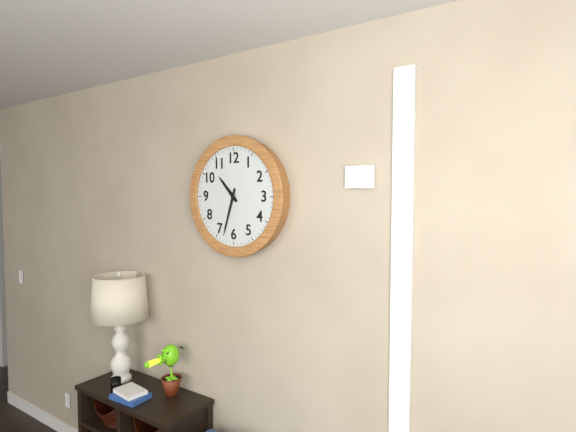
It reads 10h33
